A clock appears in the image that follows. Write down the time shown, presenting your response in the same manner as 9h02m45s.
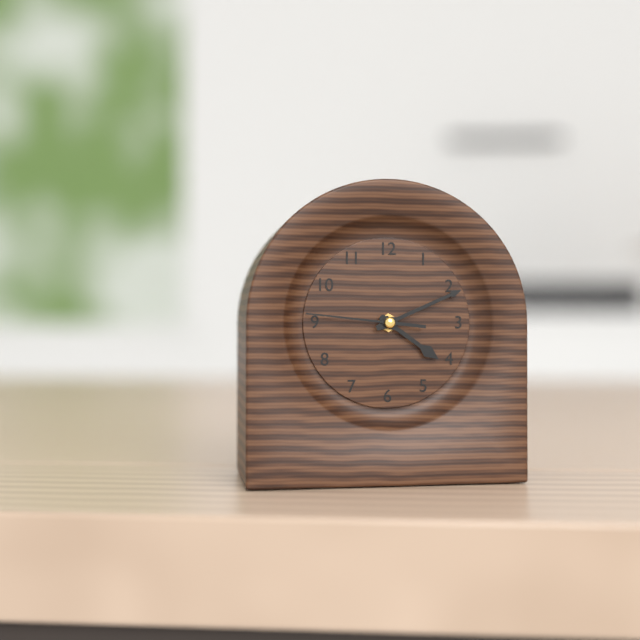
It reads 4h11m46s
